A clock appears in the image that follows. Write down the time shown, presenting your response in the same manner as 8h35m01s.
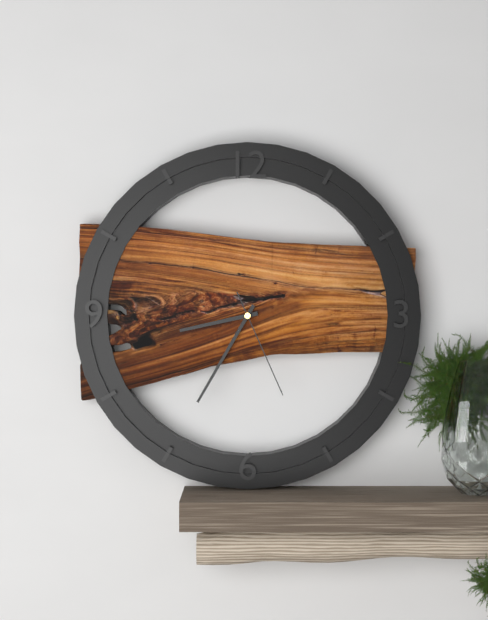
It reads 8h35m26s
